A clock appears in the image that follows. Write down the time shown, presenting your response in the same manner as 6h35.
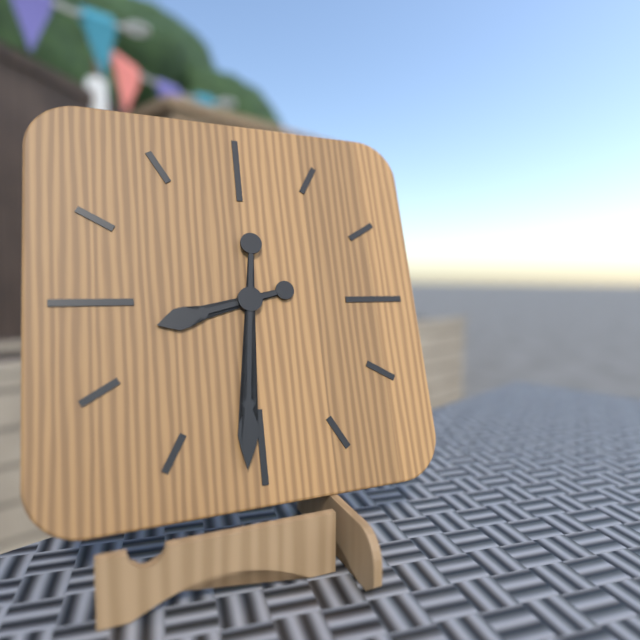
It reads 8h31
